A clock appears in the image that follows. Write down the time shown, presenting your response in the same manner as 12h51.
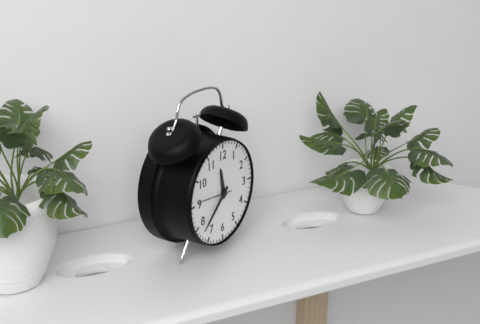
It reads 11h38
